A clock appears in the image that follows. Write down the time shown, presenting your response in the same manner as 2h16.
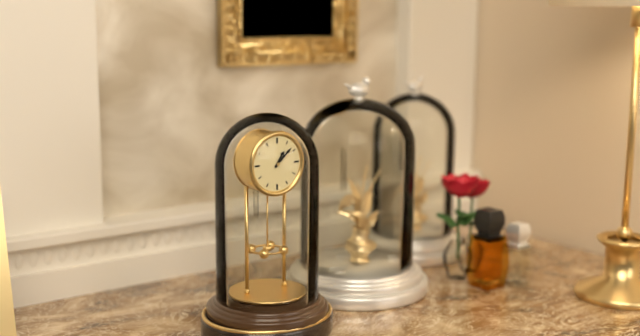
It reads 1h08
